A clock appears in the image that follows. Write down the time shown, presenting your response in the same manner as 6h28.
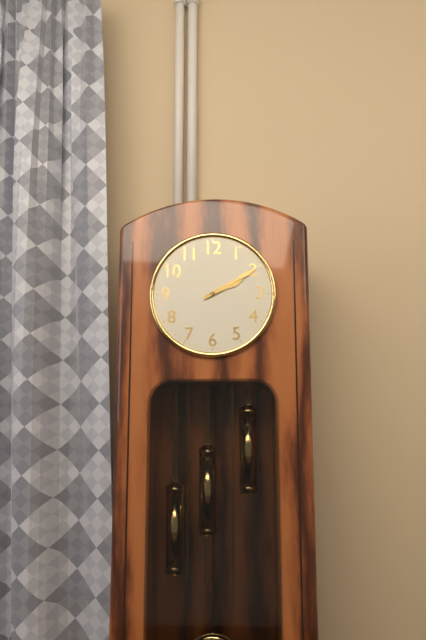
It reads 2h10
